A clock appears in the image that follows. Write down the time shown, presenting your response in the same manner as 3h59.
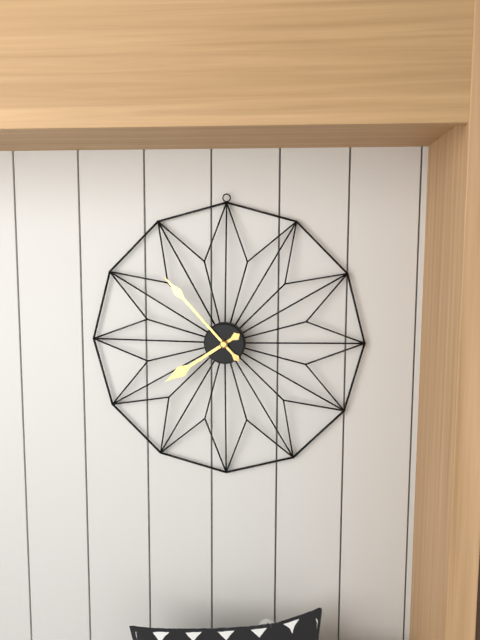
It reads 7h53
